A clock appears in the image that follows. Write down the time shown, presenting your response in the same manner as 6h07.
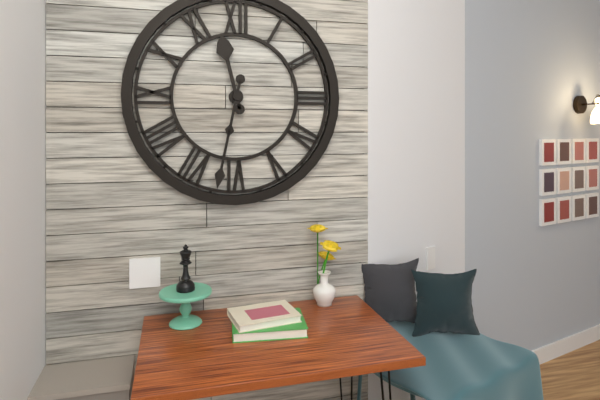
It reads 11h32
